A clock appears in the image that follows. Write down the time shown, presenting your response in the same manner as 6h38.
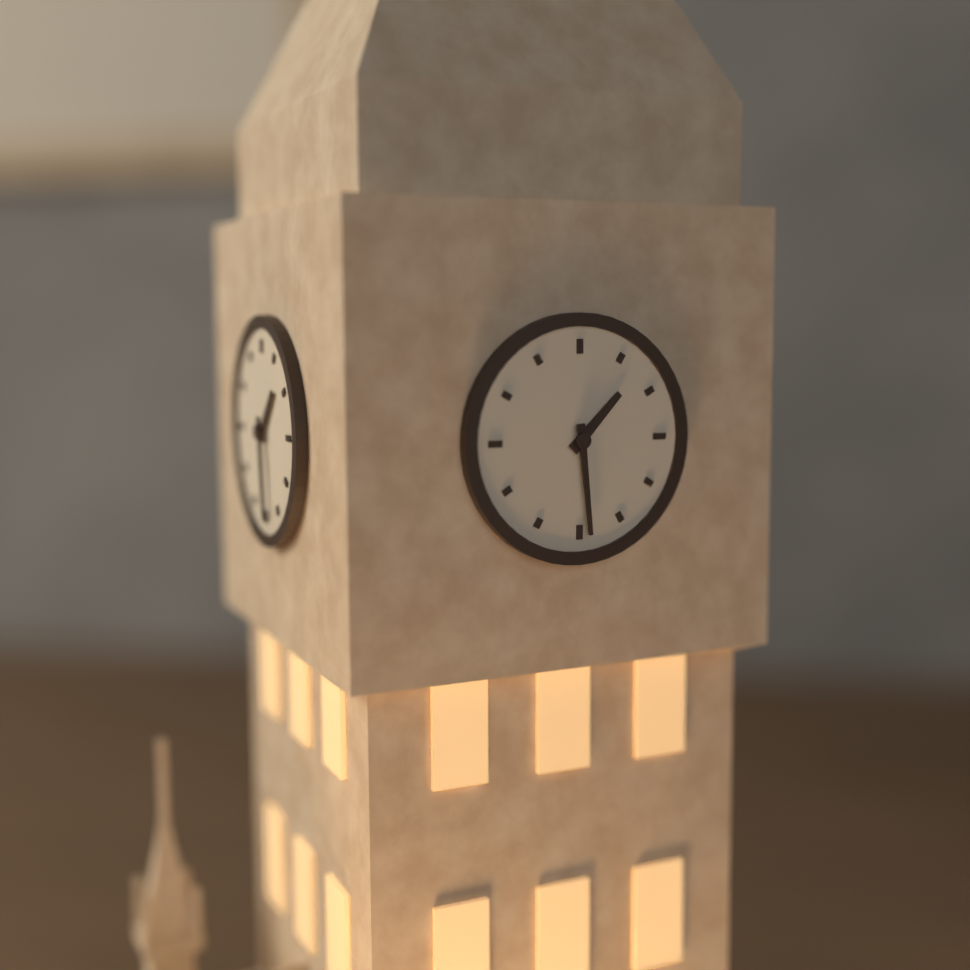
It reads 1h29
